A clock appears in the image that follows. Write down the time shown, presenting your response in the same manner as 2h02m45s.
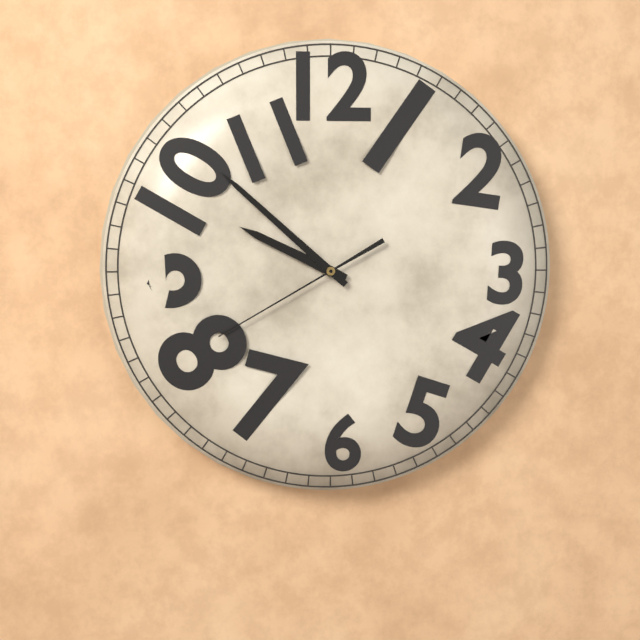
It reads 9h52m40s
